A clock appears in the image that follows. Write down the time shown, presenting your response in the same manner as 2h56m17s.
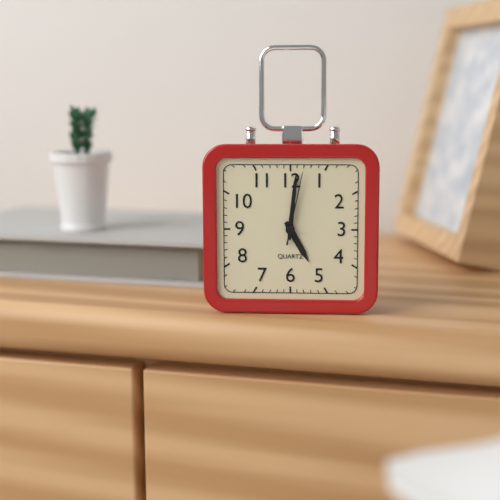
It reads 5h01m02s
